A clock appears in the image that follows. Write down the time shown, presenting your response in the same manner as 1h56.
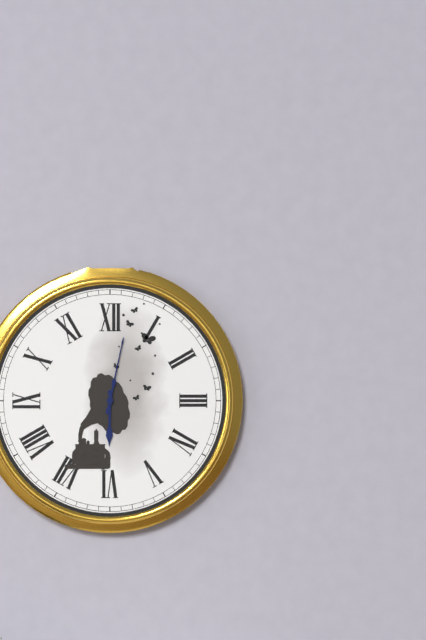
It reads 6h02
